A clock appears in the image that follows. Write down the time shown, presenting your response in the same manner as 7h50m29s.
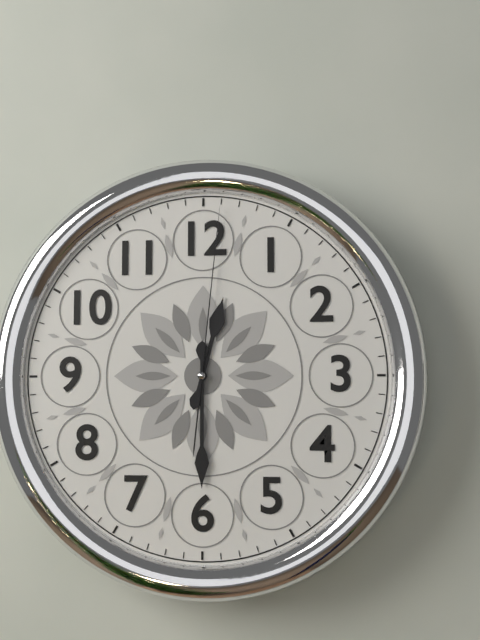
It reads 12h30m01s
